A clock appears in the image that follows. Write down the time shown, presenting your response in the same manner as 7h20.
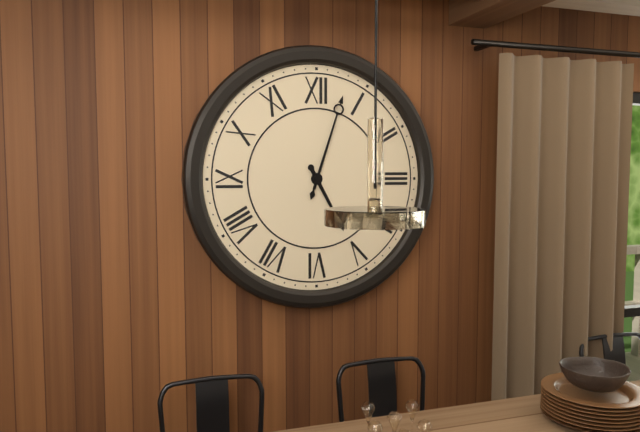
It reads 5h03
